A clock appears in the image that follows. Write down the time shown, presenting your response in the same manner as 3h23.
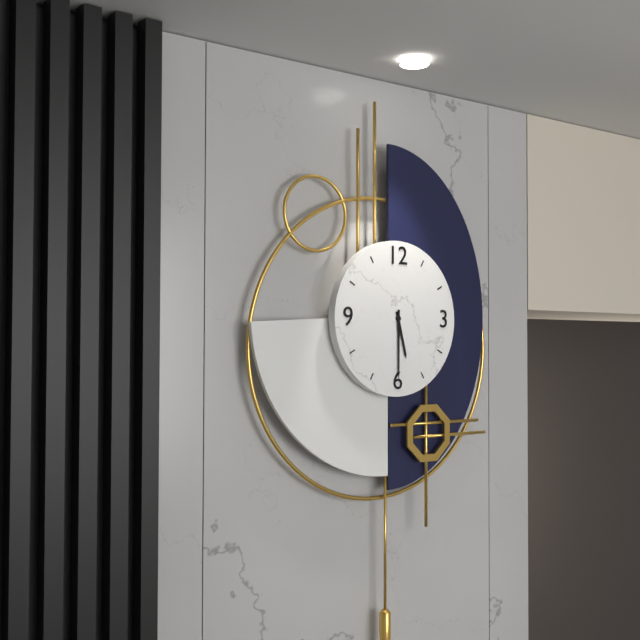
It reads 5h30
